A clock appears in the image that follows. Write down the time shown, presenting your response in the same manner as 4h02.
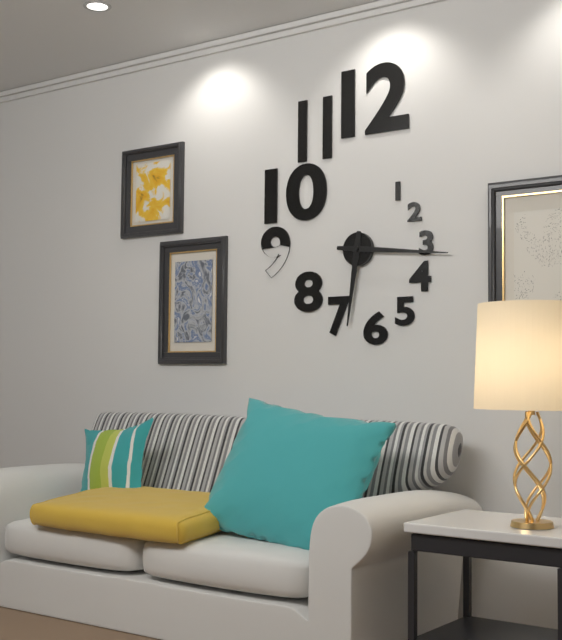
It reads 6h16
